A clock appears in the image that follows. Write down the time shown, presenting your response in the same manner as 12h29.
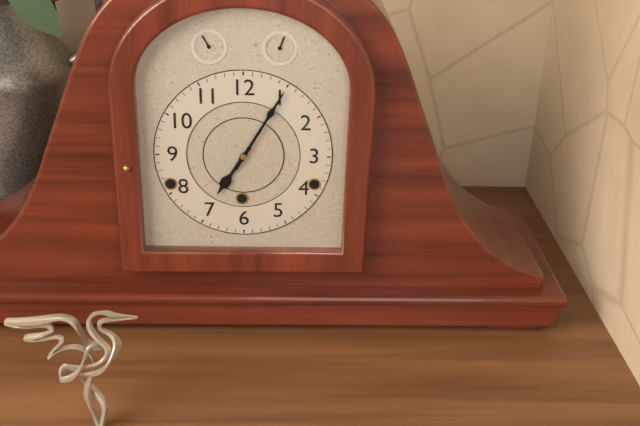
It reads 7h05
